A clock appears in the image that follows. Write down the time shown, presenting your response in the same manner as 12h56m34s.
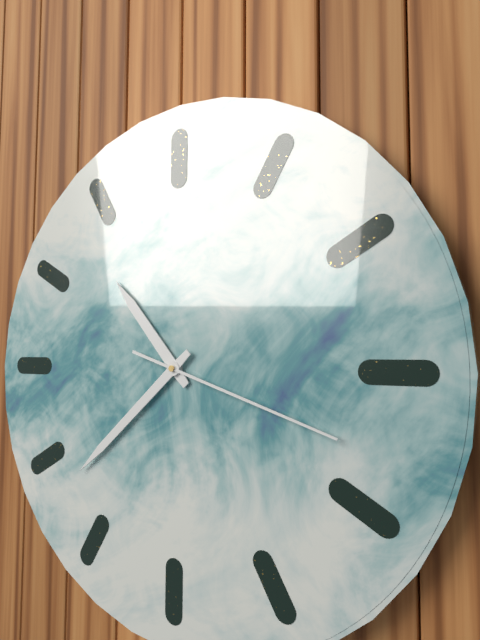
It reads 10h38m18s
